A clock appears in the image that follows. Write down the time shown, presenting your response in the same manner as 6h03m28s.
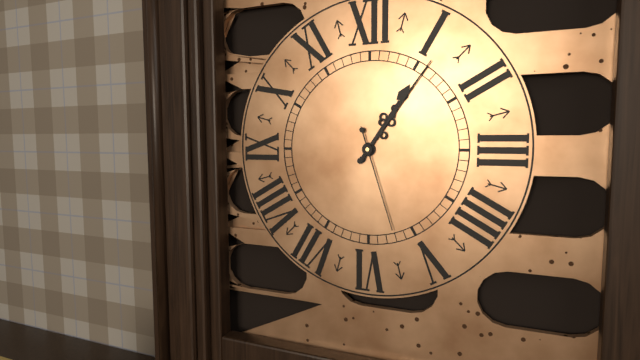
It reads 1h06m27s
